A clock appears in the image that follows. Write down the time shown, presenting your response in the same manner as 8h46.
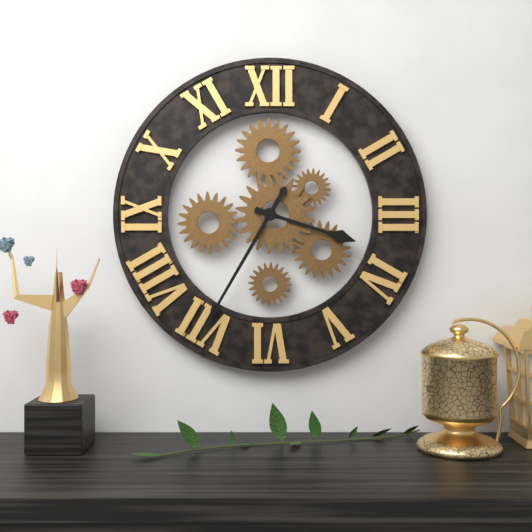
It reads 3h35
